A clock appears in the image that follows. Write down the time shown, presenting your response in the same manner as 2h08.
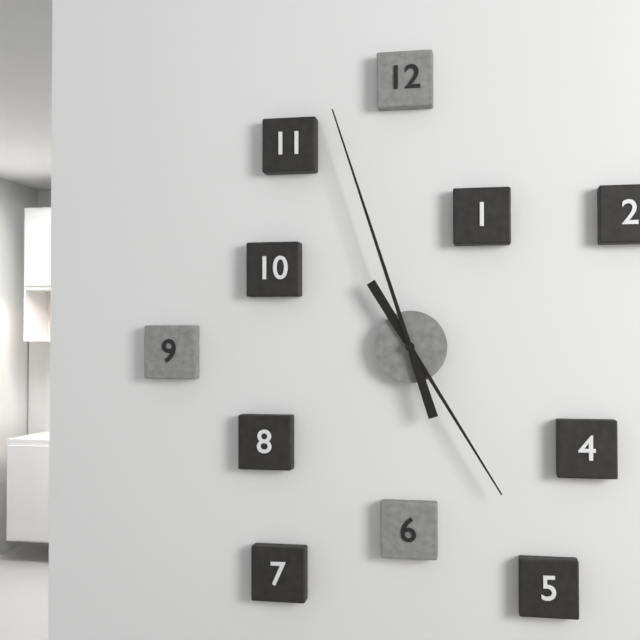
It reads 4h57
